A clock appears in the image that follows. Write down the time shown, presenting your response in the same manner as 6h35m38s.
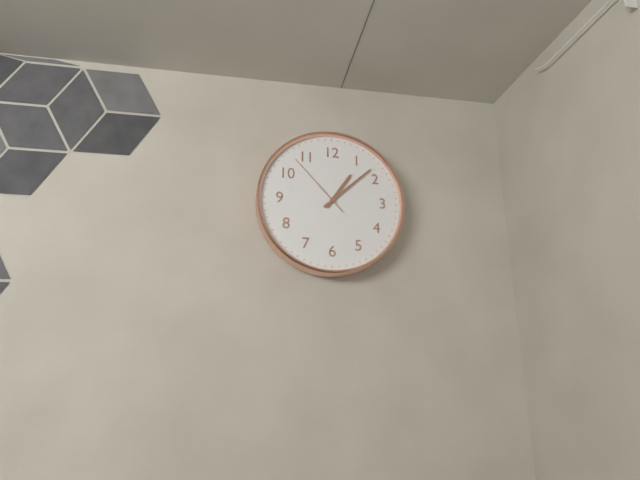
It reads 1h08m53s
